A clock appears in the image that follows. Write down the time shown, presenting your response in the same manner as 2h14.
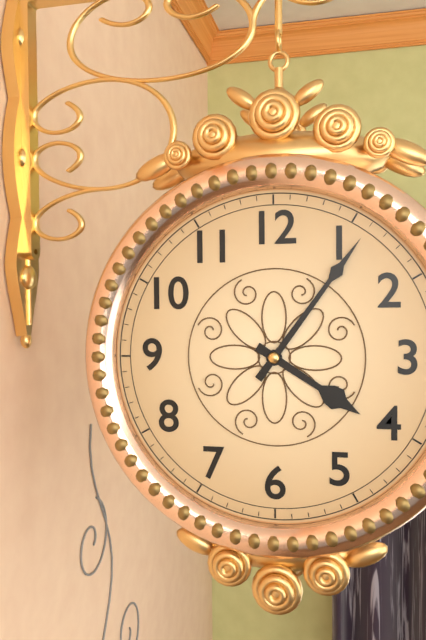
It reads 4h06
